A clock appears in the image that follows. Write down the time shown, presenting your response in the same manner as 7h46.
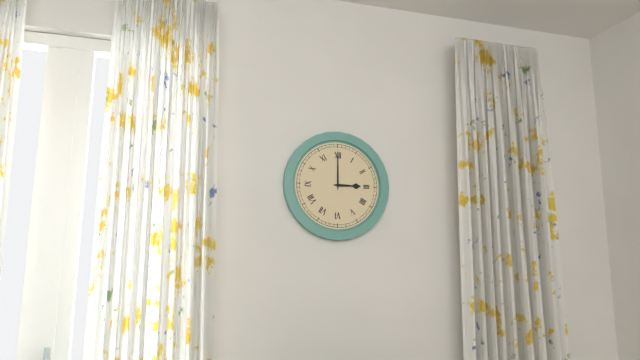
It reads 3h00
